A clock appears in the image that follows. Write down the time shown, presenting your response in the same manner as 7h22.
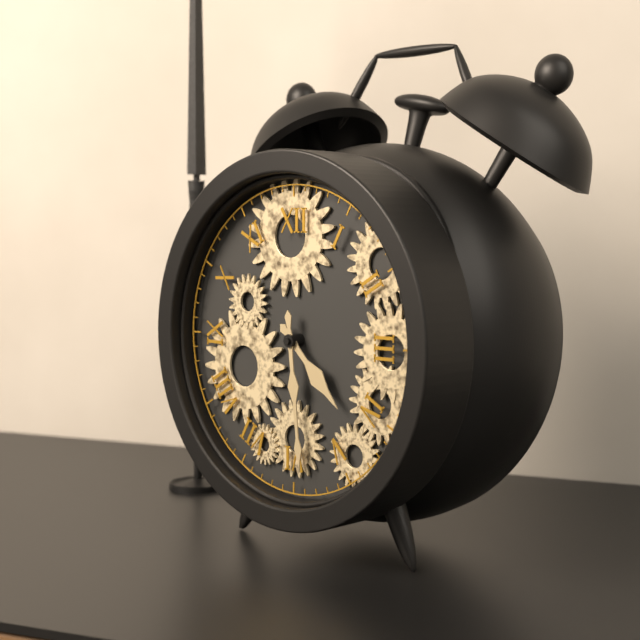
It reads 4h29
